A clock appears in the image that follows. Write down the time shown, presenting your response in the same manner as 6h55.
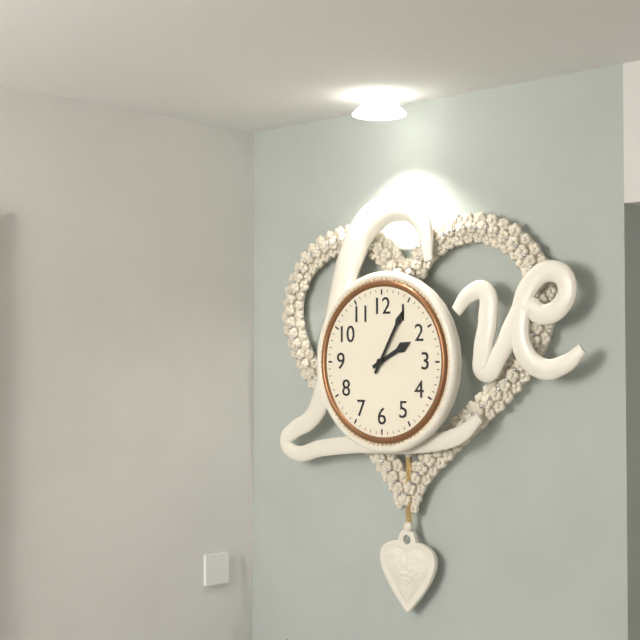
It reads 2h05
